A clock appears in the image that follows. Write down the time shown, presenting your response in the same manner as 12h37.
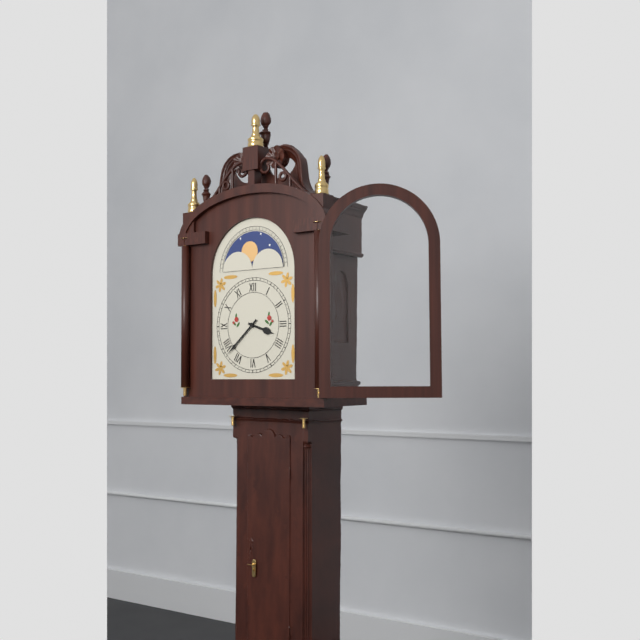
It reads 3h38
